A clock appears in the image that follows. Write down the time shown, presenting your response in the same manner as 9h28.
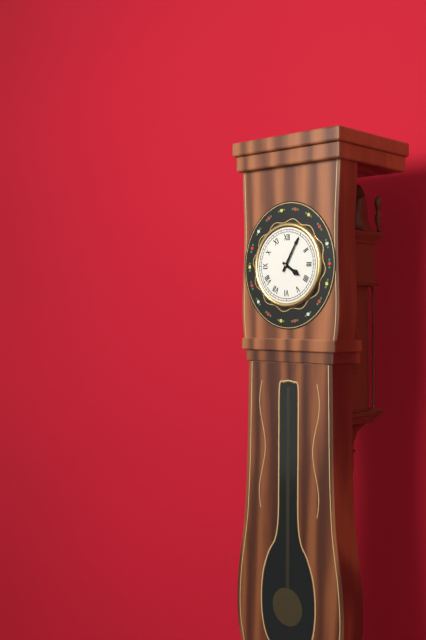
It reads 4h05
